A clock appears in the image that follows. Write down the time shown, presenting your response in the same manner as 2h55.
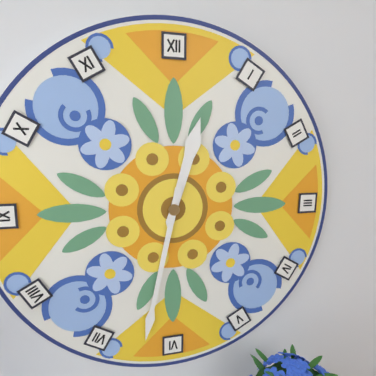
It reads 12h32
